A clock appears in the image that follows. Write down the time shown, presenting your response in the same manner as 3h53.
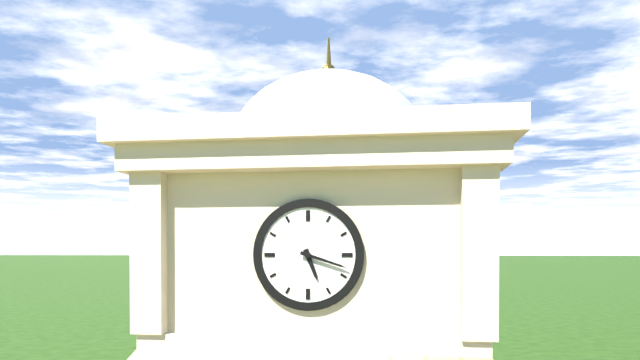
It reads 5h18
